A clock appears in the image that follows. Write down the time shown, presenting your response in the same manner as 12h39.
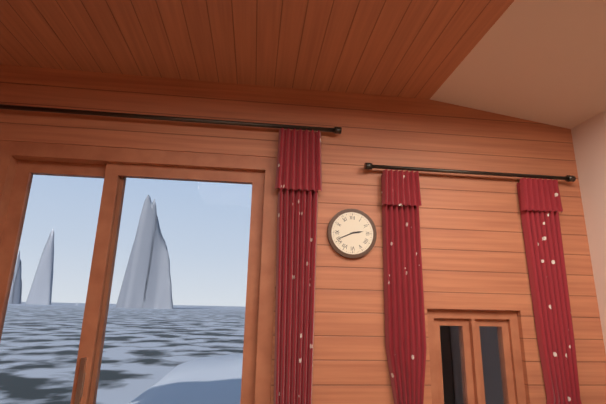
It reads 2h41
